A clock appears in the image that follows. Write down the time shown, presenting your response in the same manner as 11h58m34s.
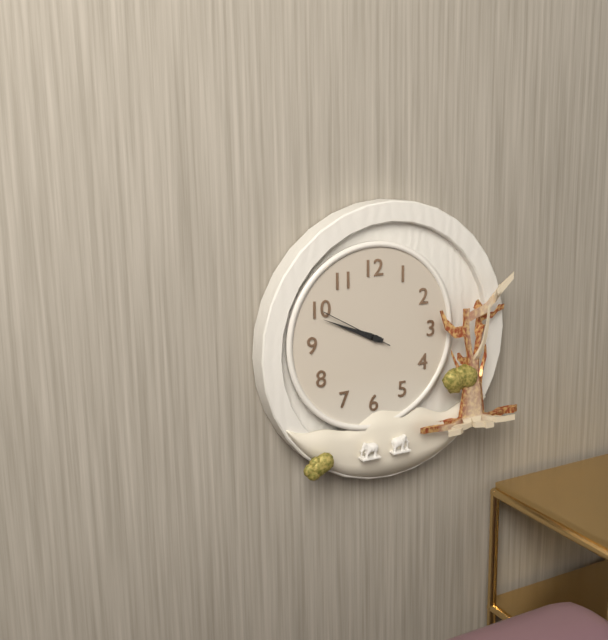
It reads 9h49m50s
